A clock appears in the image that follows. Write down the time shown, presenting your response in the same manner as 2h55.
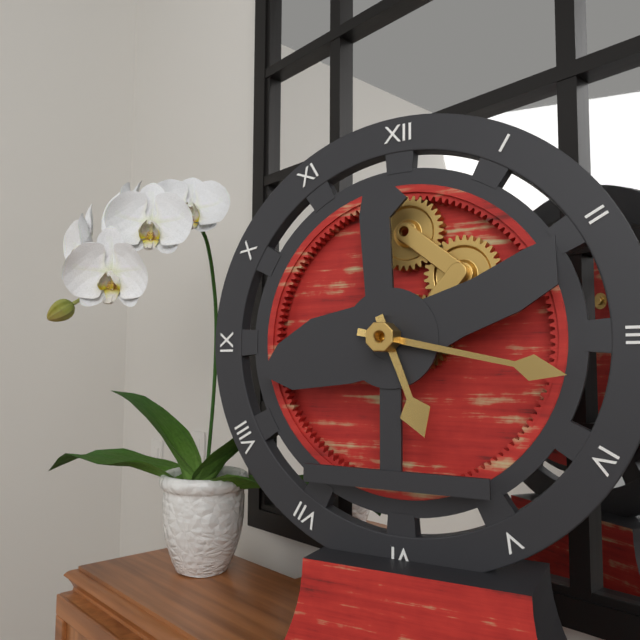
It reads 5h17
